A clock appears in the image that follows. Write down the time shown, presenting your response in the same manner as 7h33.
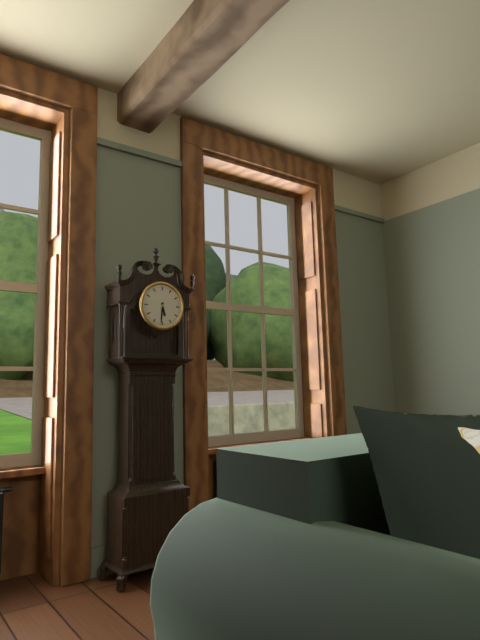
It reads 5h31
